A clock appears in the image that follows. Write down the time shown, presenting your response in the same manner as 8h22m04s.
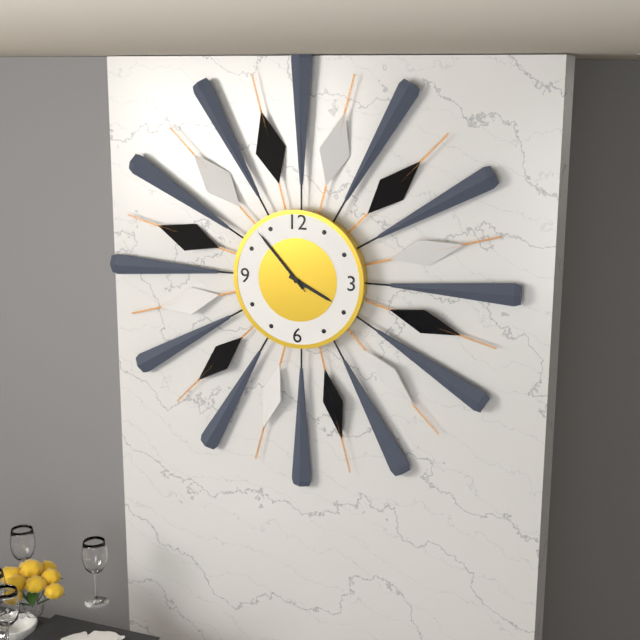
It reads 3h53m53s
